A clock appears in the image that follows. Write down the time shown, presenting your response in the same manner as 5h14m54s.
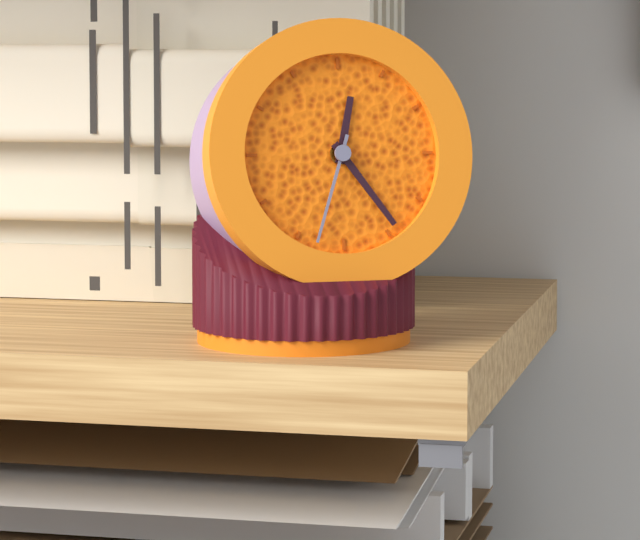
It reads 12h24m33s
